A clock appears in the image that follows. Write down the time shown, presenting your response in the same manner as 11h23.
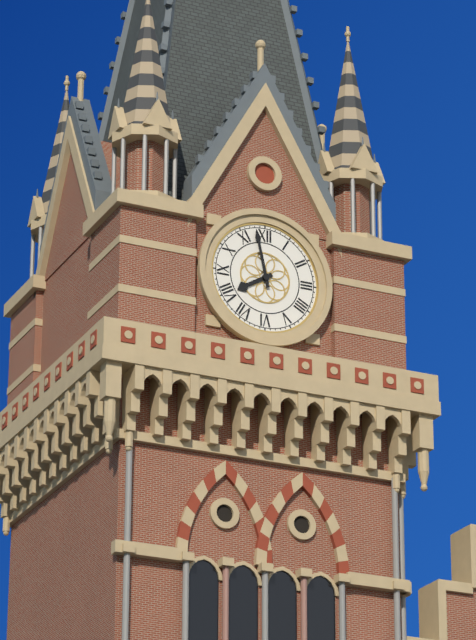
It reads 7h58
